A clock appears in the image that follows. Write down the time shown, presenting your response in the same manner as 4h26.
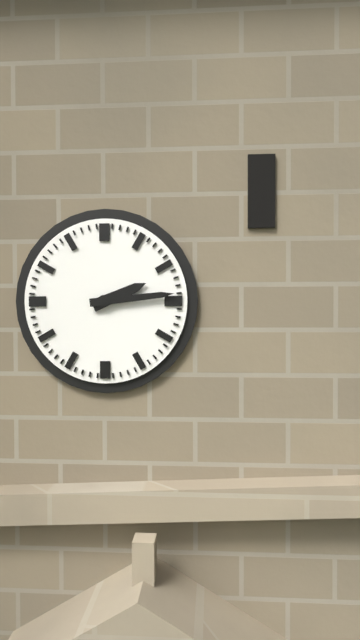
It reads 2h14
